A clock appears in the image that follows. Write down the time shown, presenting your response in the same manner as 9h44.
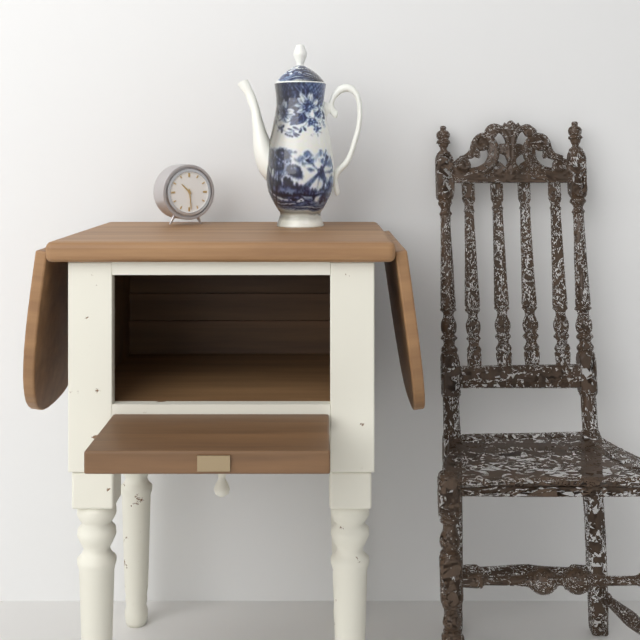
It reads 10h29
